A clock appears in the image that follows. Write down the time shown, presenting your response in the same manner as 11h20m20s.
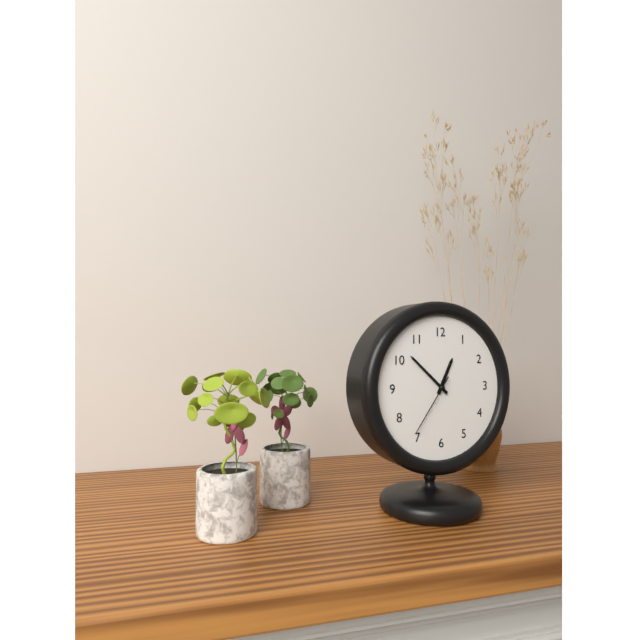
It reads 12h52m36s
